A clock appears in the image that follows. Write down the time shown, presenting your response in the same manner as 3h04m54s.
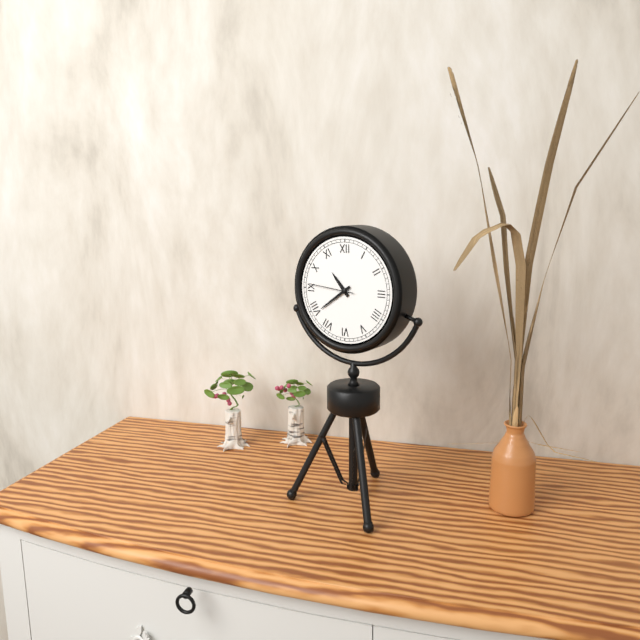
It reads 10h39m46s
